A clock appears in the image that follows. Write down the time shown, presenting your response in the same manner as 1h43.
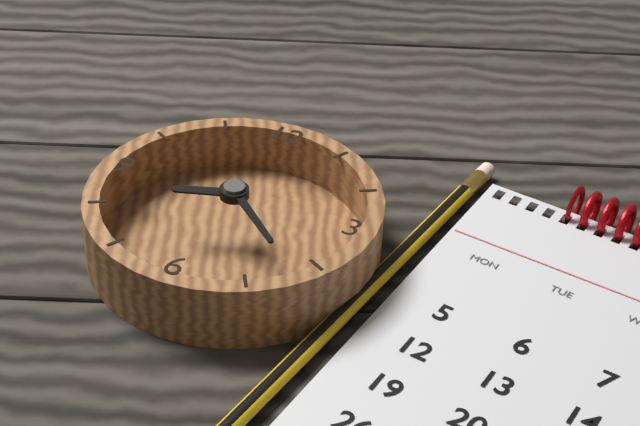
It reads 8h22
